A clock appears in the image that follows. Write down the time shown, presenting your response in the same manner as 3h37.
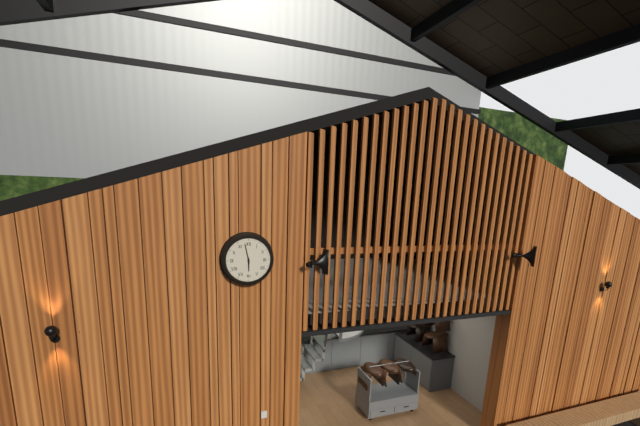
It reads 5h58
